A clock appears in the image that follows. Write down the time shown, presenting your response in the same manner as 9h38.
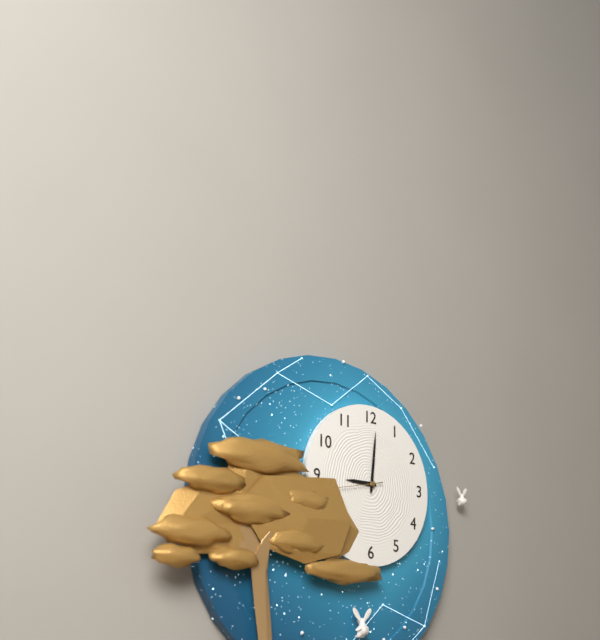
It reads 9h01
